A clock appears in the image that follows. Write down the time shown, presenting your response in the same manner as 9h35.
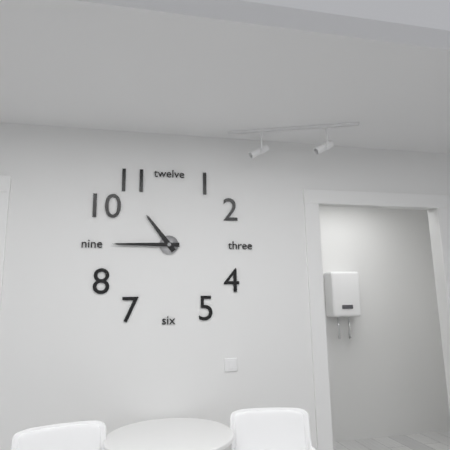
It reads 10h45
